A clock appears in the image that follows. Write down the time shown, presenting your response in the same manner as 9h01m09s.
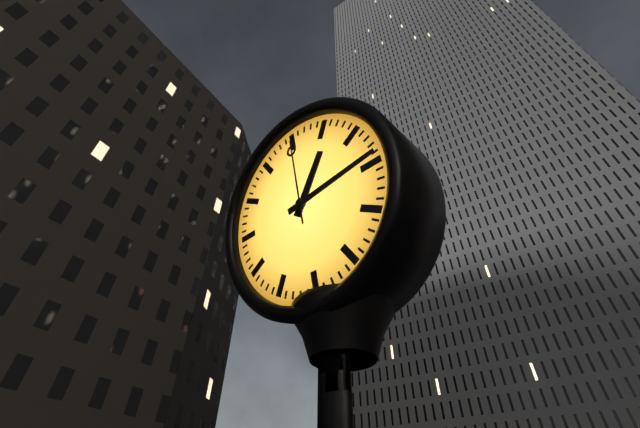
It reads 1h14m00s
